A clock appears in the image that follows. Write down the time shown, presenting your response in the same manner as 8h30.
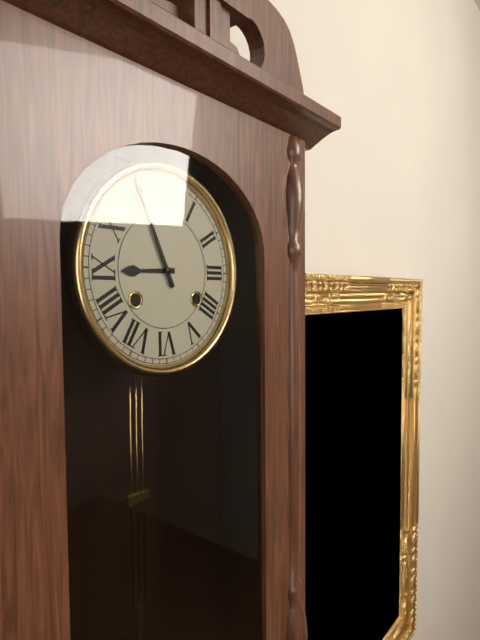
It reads 8h56
